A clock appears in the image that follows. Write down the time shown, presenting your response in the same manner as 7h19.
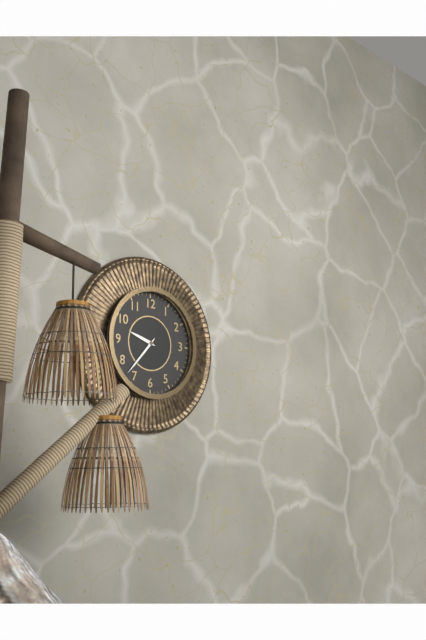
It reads 9h37
